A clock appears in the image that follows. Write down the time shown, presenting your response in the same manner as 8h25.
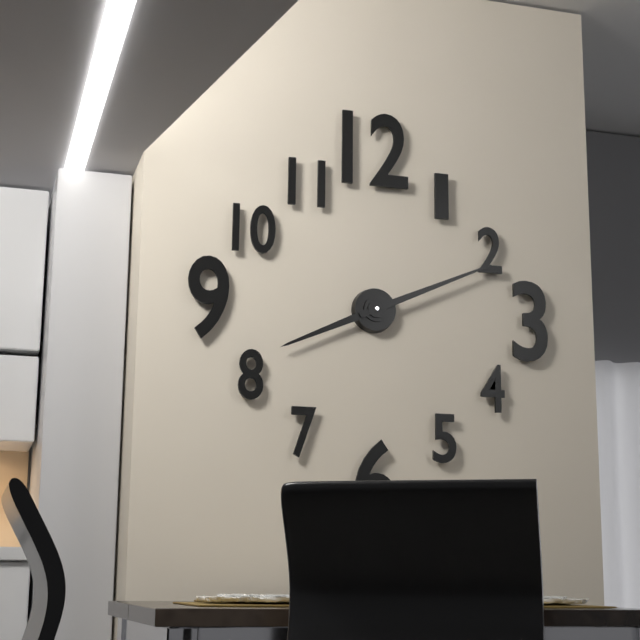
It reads 8h11
